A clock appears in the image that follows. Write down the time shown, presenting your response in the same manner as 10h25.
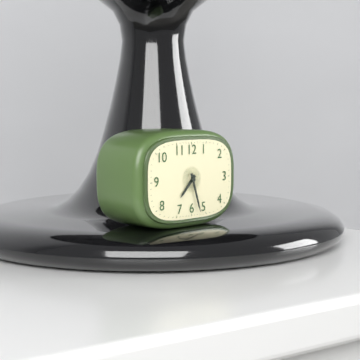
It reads 7h27
